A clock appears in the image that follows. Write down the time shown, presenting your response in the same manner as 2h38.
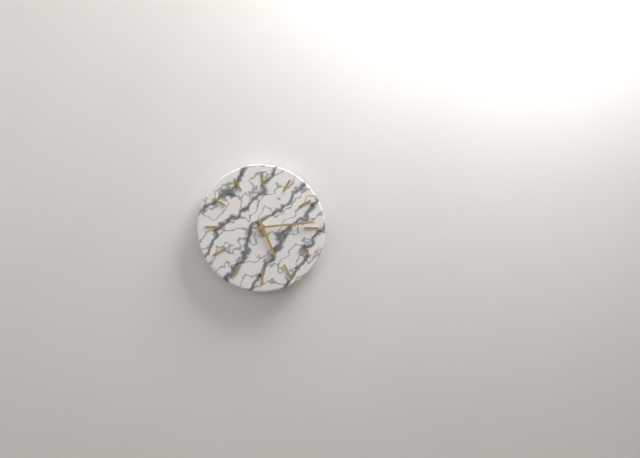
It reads 5h14
